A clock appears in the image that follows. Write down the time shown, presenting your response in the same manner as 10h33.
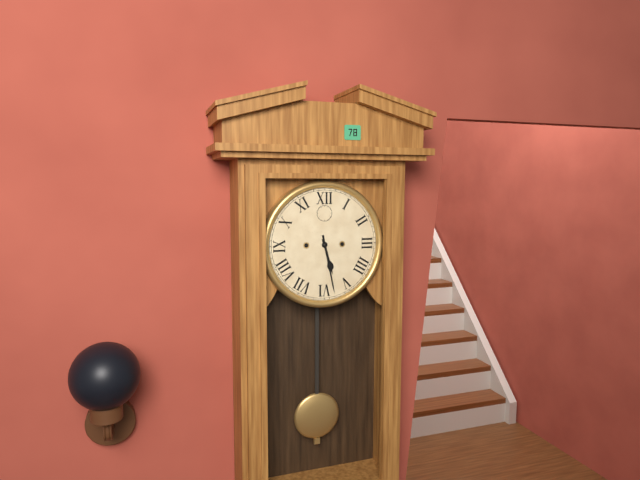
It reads 5h28
